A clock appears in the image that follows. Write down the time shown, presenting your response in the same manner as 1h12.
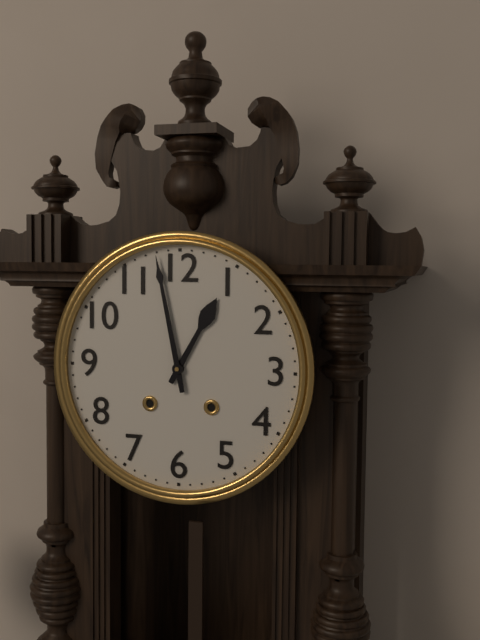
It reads 12h58
